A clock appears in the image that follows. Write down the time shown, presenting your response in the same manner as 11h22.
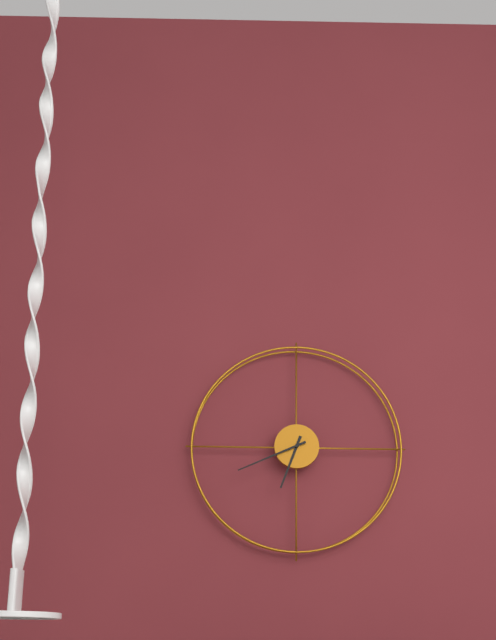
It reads 6h41
